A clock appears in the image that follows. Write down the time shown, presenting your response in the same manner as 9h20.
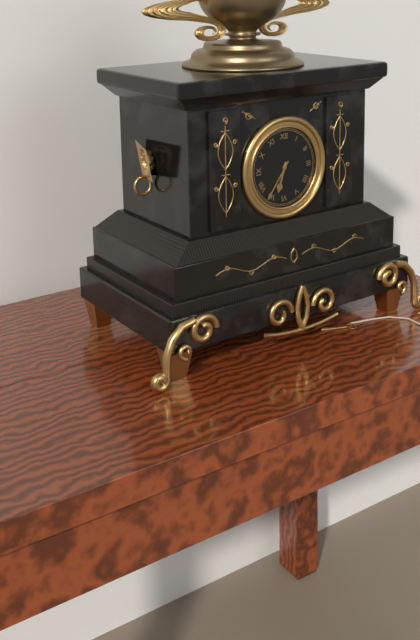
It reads 6h36
